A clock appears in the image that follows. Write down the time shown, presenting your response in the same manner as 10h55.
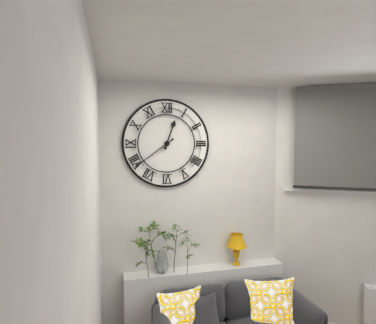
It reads 12h39
